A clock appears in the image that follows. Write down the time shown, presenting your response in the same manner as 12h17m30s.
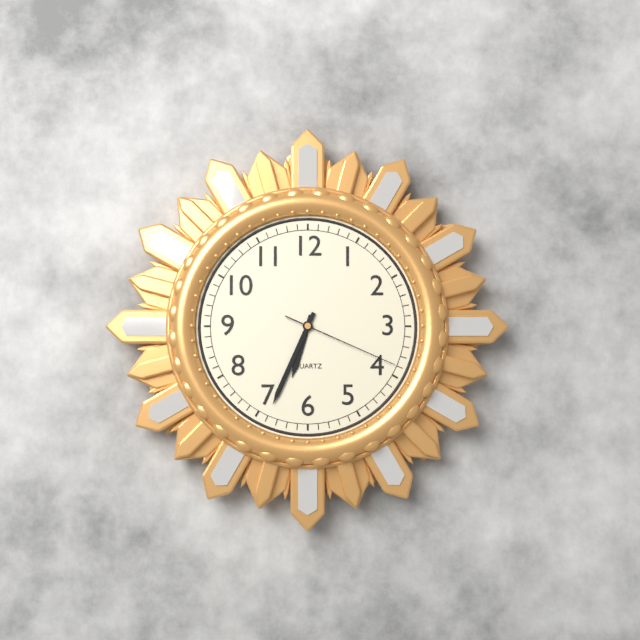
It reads 6h34m19s
